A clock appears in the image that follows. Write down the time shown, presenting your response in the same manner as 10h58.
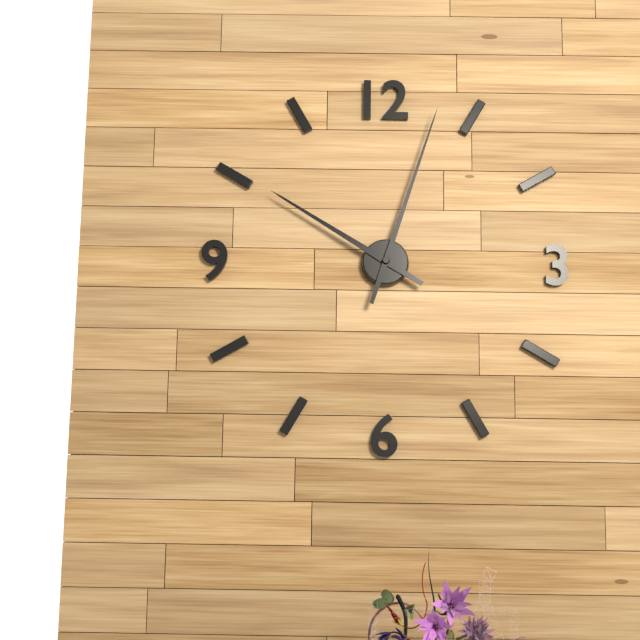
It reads 10h03
